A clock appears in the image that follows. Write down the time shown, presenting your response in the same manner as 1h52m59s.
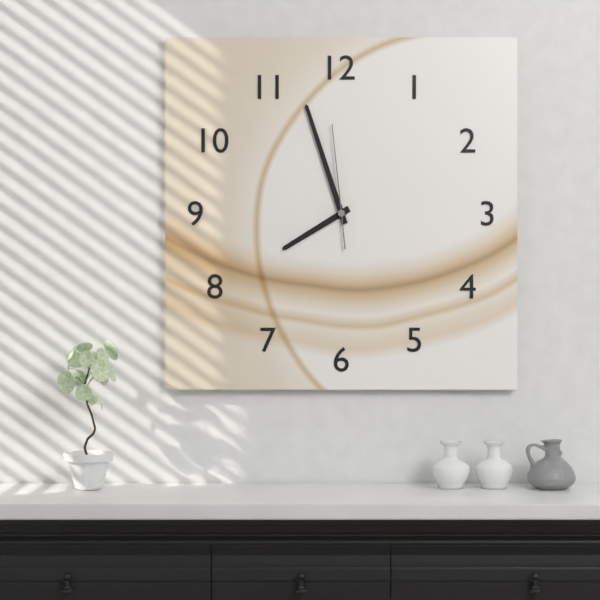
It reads 7h57m59s
